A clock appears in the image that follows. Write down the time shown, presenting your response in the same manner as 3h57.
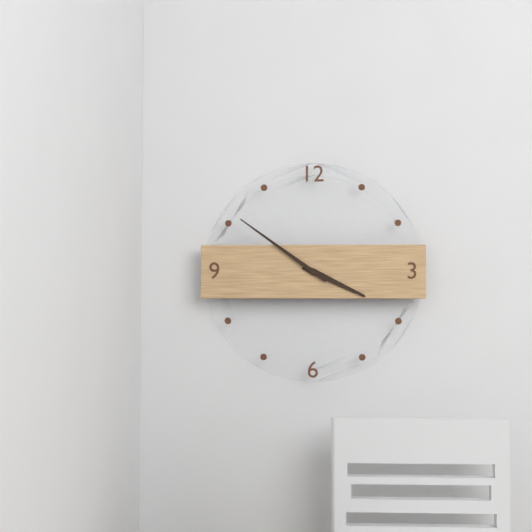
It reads 3h51
